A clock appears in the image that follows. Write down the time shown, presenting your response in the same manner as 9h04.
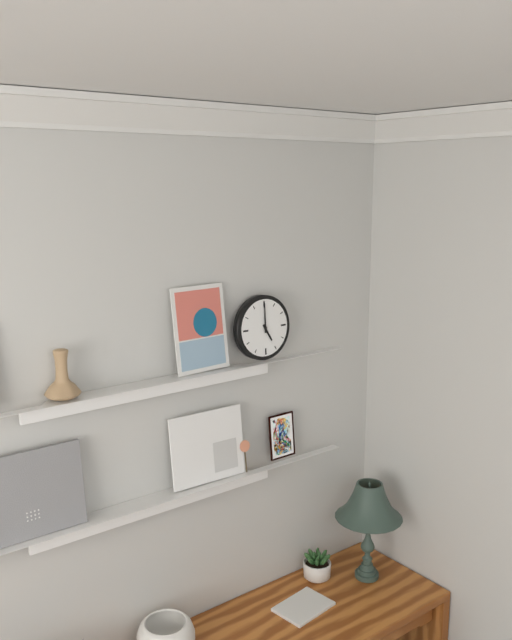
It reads 5h00
